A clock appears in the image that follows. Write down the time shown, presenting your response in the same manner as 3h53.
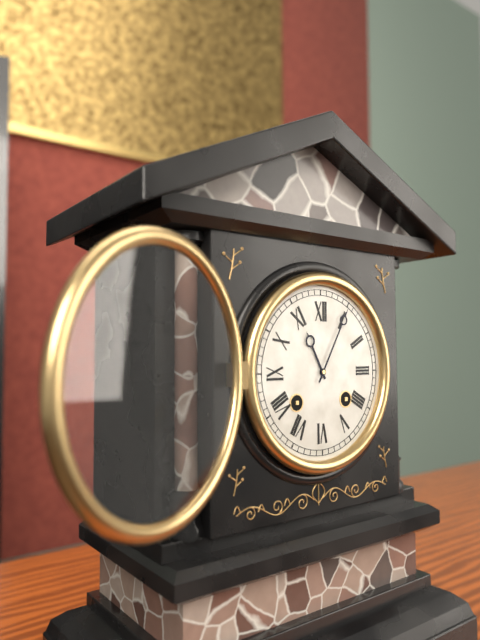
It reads 11h05
